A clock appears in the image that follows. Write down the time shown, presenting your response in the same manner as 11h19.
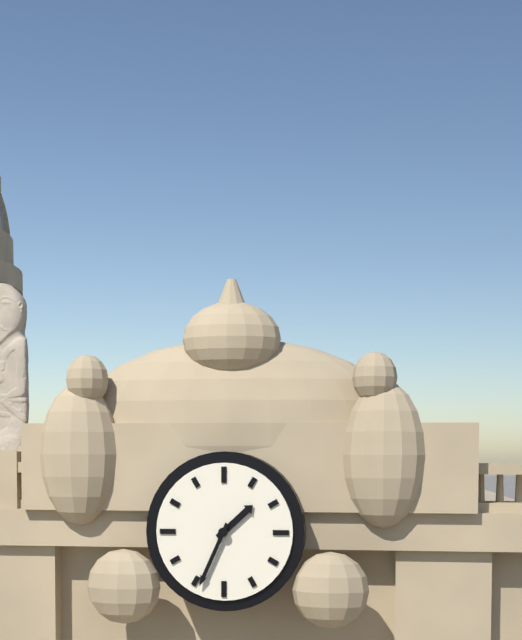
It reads 1h34
